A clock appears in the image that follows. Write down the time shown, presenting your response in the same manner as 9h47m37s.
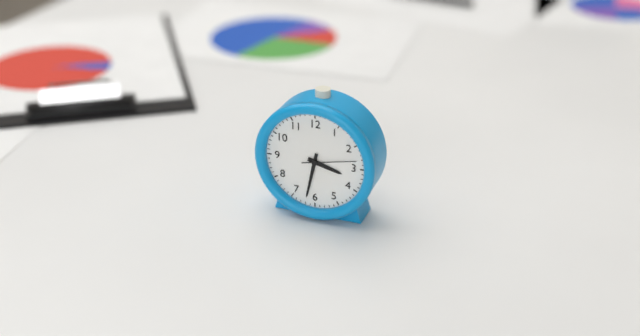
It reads 3h32m13s
